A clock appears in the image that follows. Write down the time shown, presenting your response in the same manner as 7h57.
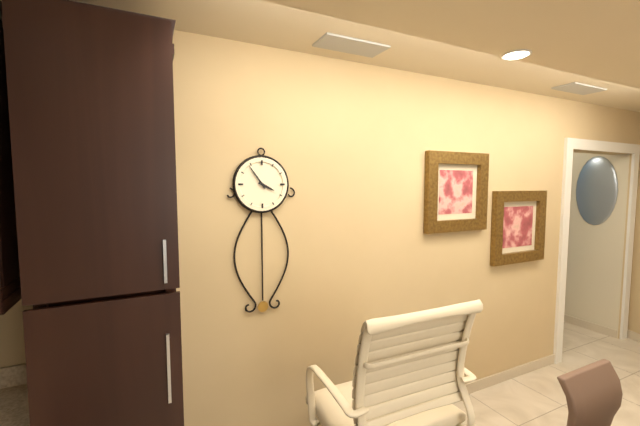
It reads 3h54
